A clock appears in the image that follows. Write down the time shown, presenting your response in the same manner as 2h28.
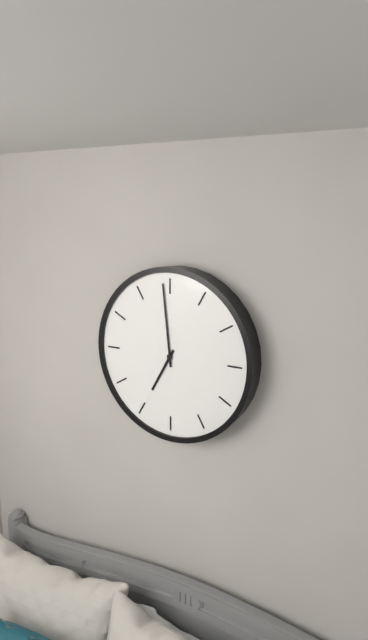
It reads 6h59
